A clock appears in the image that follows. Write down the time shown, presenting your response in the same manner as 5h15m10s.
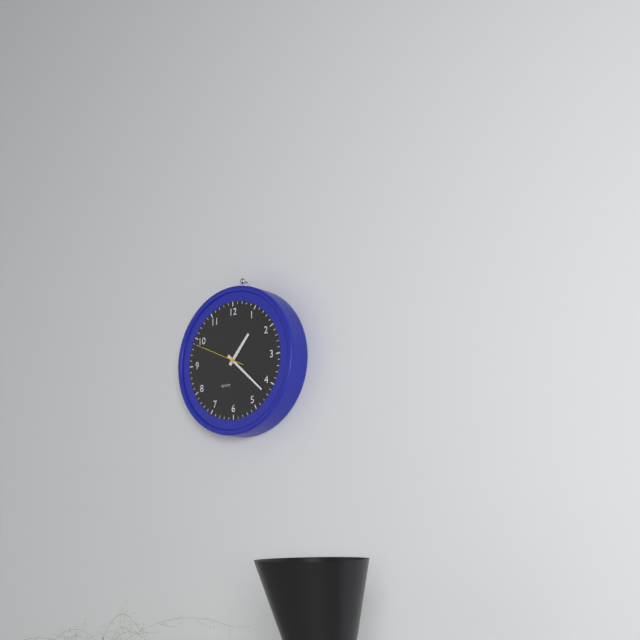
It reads 1h22m49s
